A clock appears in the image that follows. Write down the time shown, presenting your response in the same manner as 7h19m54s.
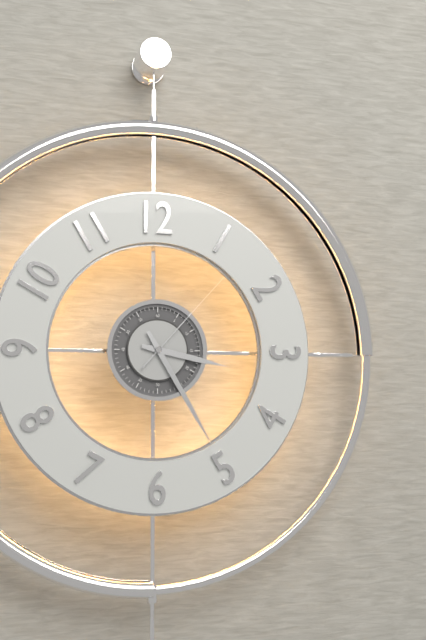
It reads 3h25m07s
